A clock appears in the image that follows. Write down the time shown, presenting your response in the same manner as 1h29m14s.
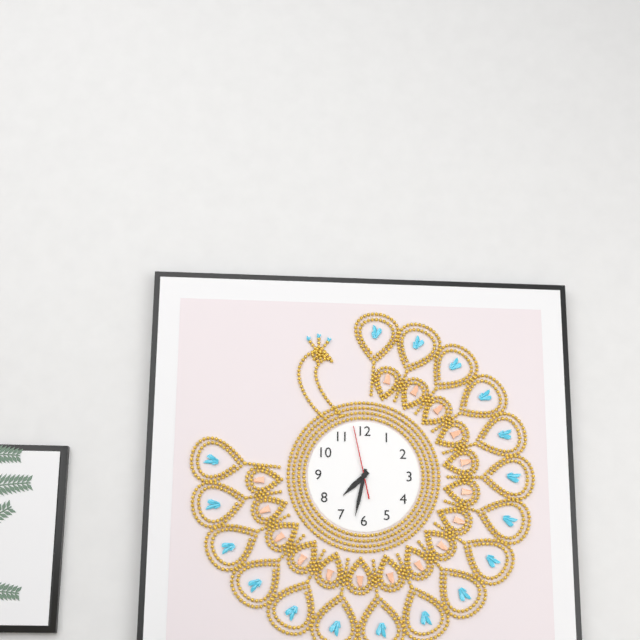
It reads 7h32m58s
